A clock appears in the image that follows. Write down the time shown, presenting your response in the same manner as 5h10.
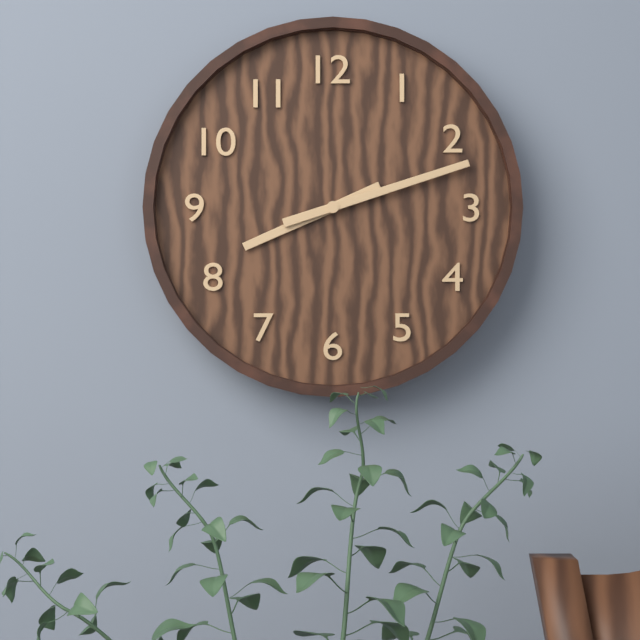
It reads 8h12
